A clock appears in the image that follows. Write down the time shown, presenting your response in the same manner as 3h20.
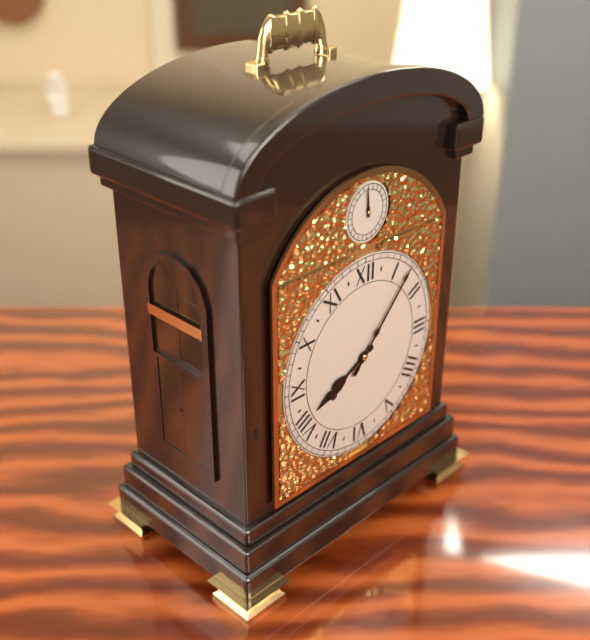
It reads 8h07
